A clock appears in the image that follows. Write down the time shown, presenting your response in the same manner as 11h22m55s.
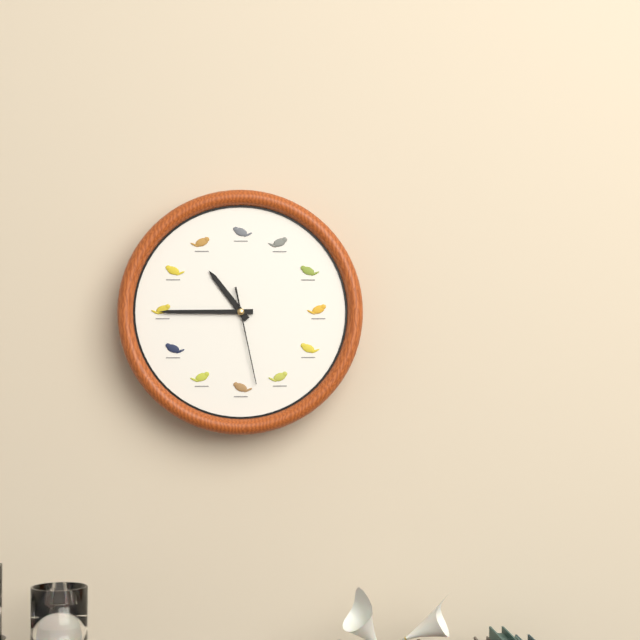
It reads 10h45m28s
